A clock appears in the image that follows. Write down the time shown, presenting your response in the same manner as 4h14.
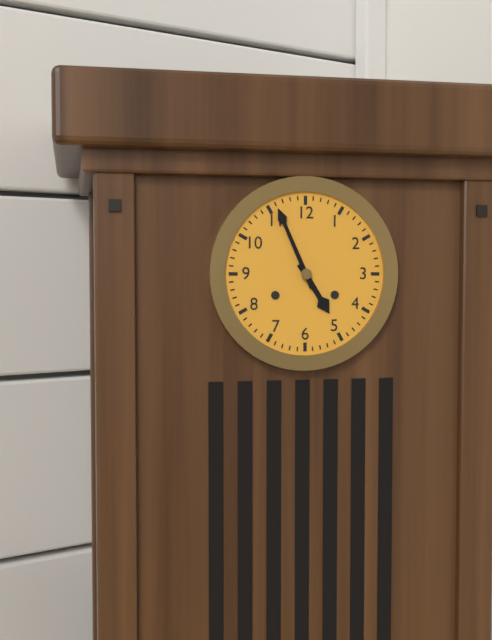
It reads 4h56
